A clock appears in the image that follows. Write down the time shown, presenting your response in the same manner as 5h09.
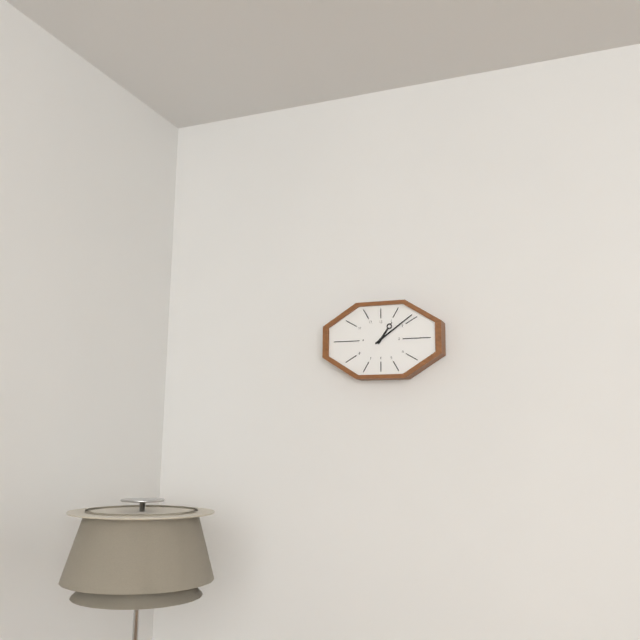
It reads 1h09
